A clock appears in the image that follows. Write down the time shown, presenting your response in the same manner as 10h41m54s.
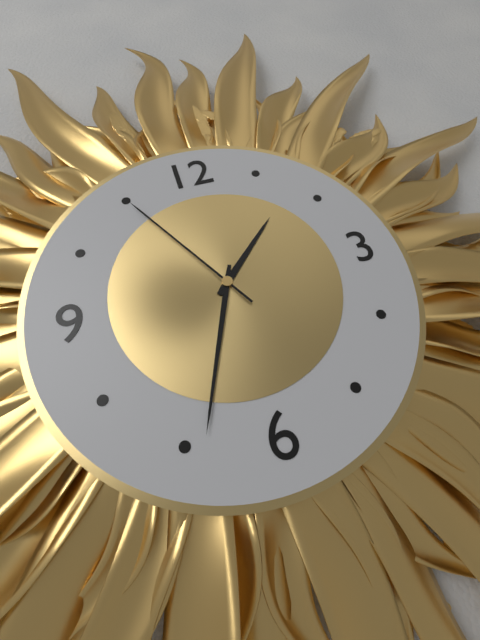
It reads 1h34m55s
